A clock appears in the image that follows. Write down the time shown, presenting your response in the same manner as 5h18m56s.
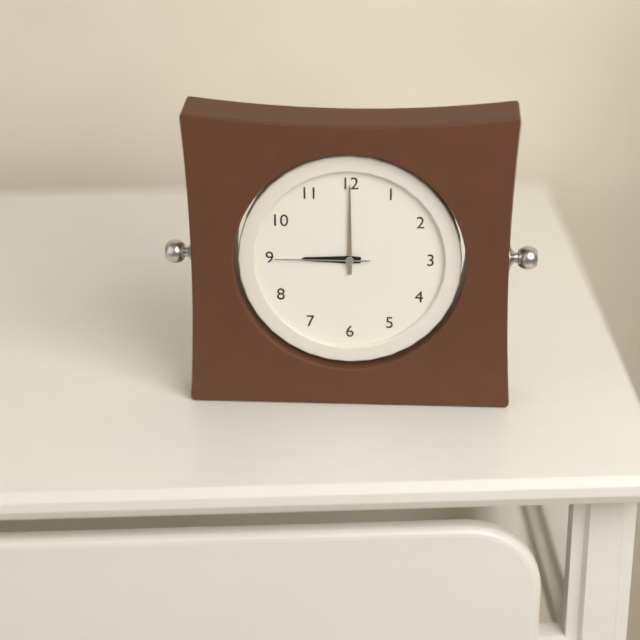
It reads 9h00m45s
